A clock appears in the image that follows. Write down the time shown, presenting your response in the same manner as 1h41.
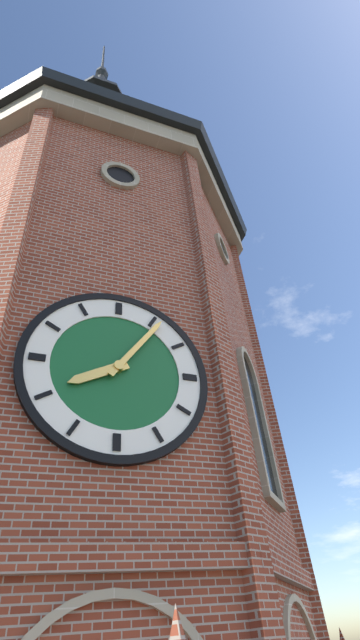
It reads 8h06
